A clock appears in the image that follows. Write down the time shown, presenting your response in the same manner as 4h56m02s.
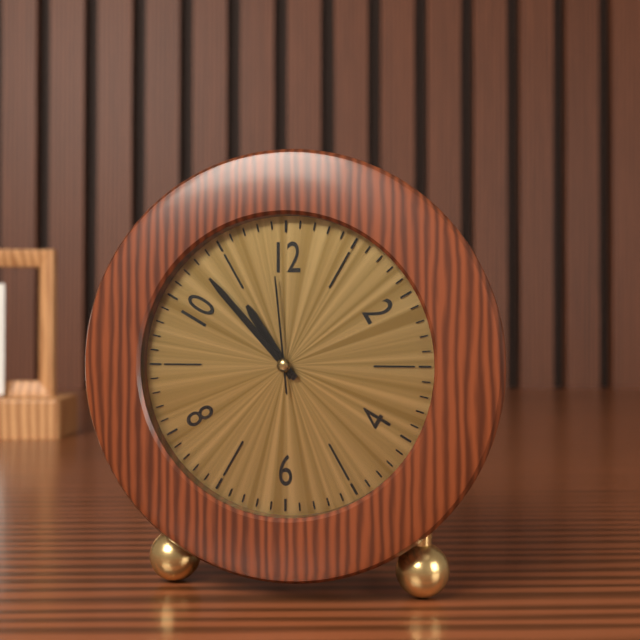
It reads 10h53m59s
